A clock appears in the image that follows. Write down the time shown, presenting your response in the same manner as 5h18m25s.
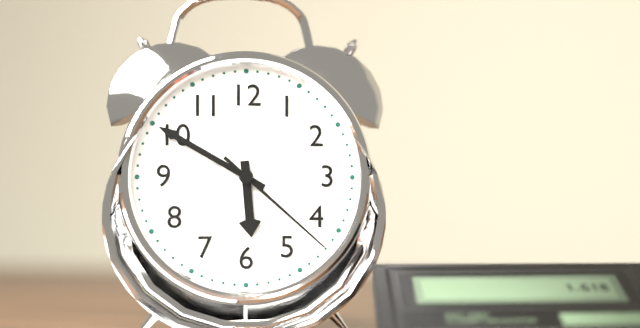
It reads 5h50m22s
